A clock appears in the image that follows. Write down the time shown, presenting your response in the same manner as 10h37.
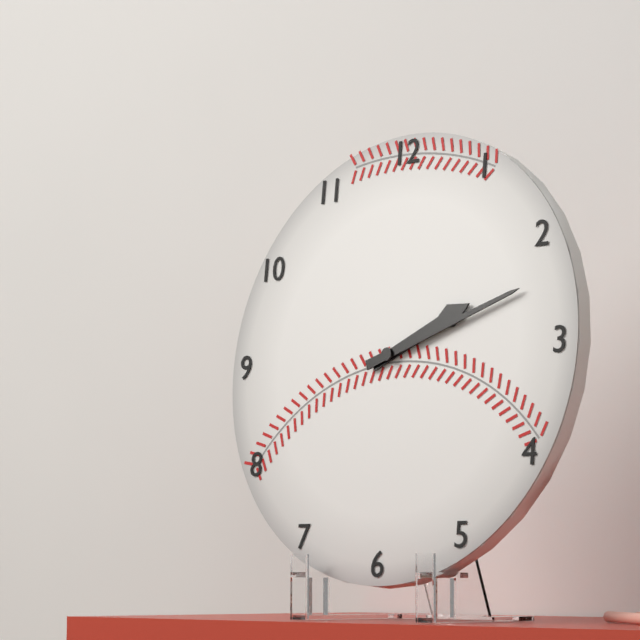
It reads 2h12
